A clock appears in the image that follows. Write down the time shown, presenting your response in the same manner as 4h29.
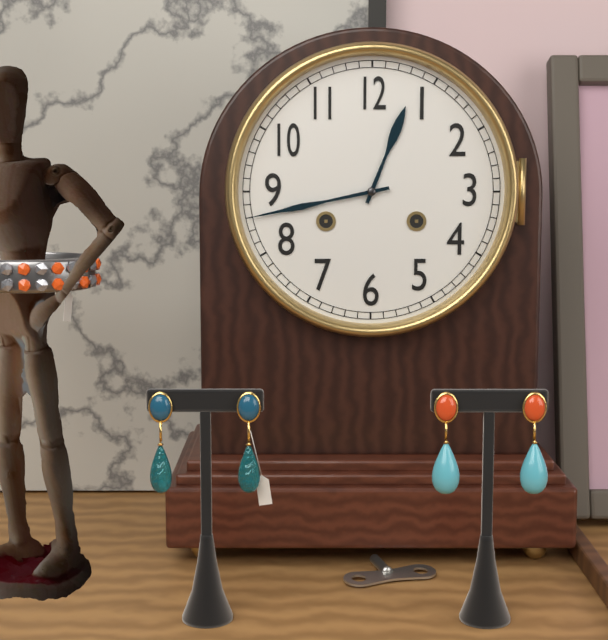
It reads 12h43
